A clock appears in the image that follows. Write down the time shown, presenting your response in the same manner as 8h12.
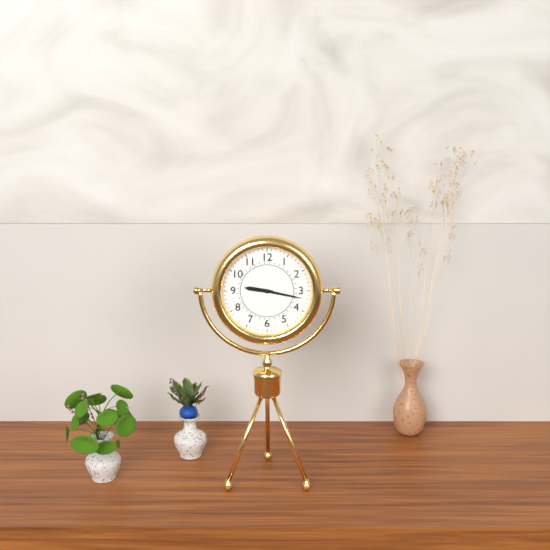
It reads 9h17
